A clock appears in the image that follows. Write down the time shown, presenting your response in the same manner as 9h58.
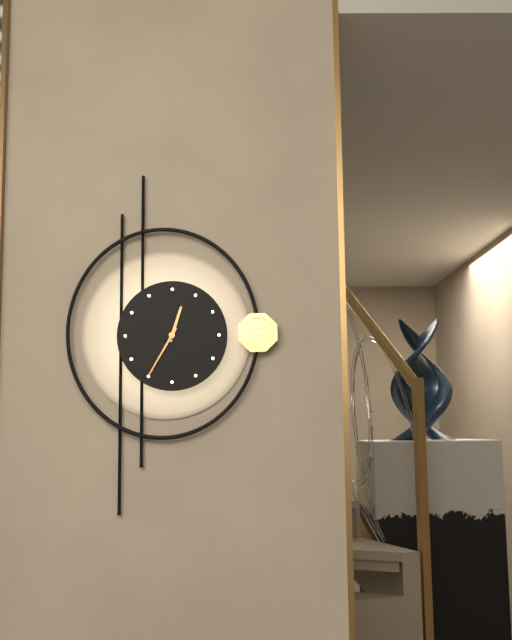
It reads 12h35
